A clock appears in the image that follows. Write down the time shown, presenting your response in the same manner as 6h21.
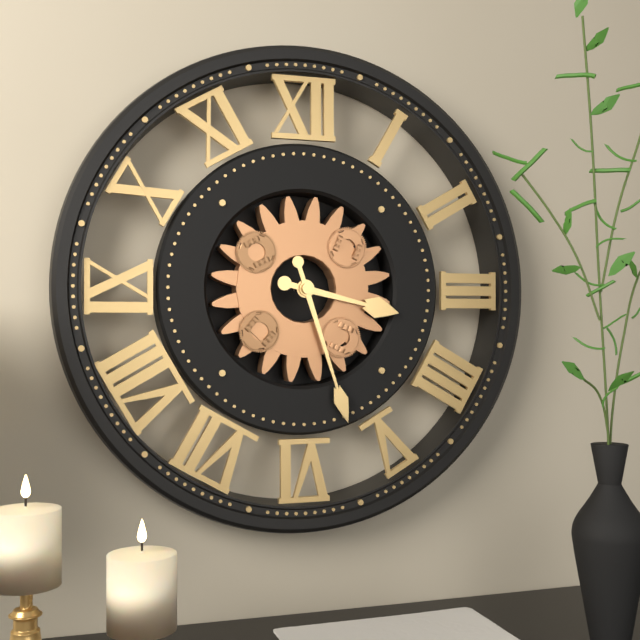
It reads 3h27
